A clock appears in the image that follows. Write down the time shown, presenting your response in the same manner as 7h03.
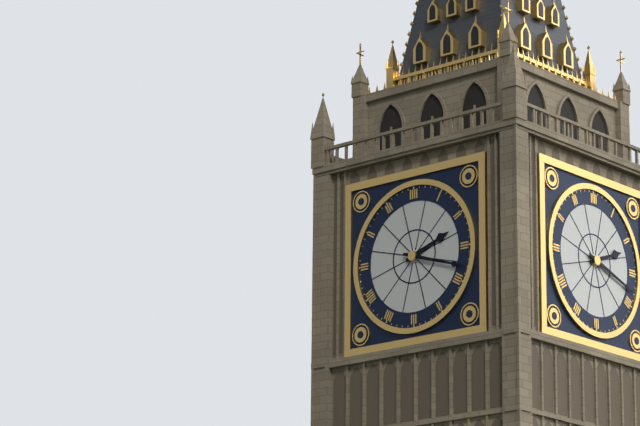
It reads 2h18
